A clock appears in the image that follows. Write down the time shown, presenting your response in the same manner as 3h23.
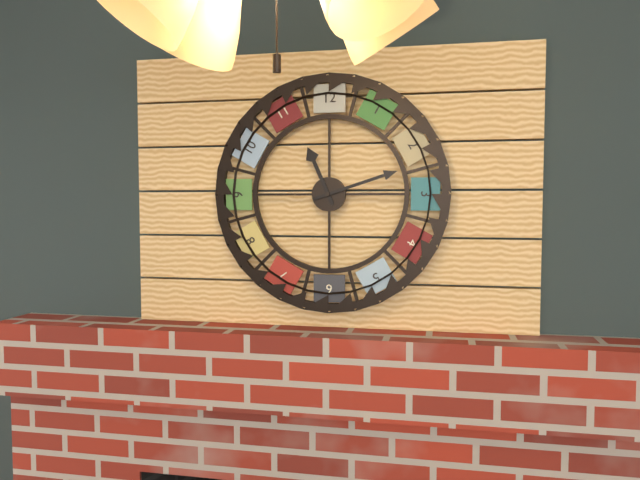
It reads 11h12
